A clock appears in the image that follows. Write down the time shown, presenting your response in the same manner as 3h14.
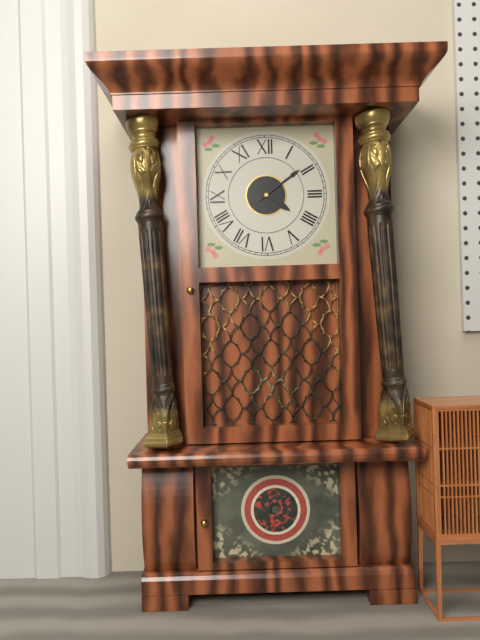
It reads 4h09
